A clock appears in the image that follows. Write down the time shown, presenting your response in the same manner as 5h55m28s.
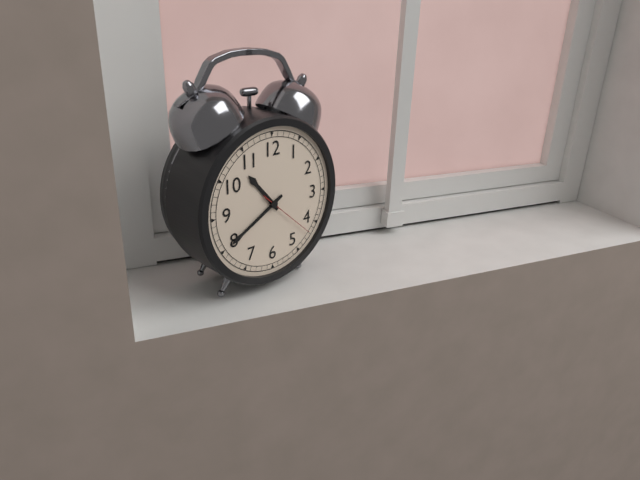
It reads 10h40m22s
